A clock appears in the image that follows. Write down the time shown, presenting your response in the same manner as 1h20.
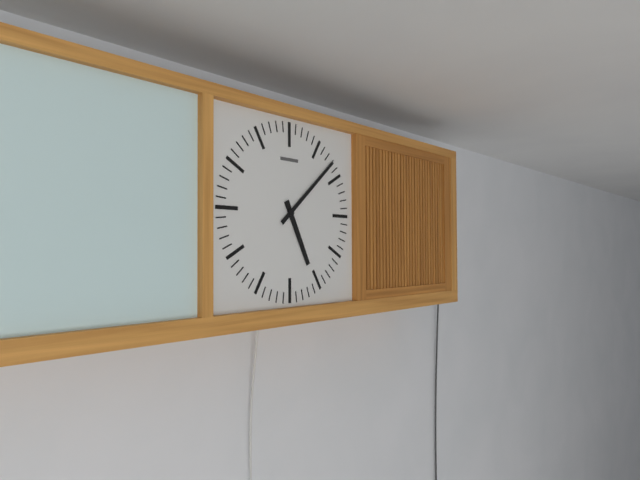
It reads 5h08
